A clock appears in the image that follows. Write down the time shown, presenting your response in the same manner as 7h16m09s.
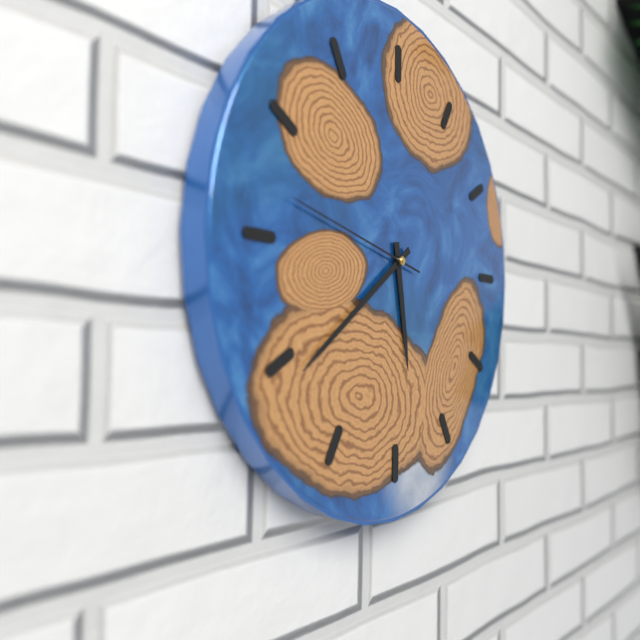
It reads 5h39m47s
